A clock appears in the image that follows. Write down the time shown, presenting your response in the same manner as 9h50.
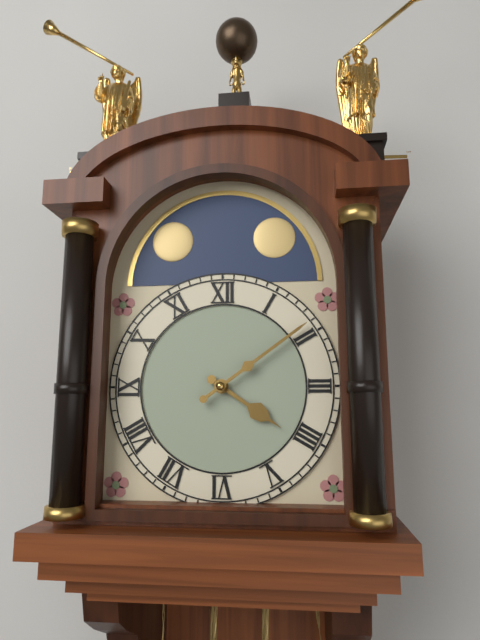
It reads 4h09
